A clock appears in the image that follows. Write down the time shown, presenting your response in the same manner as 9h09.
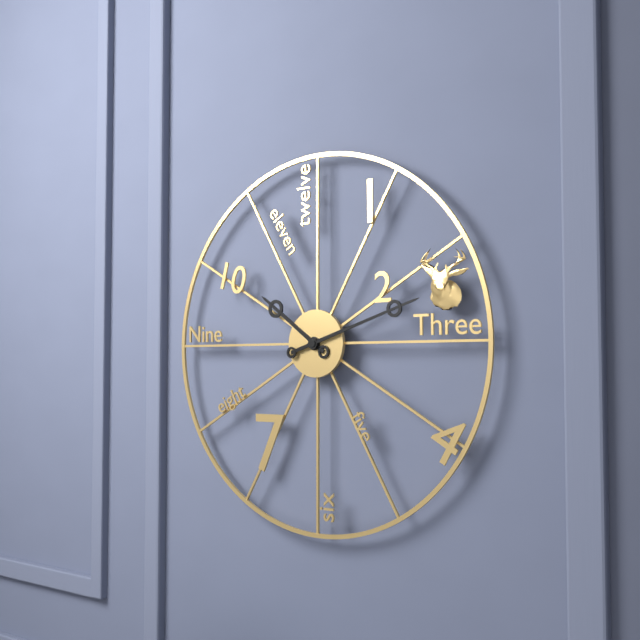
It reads 10h12
